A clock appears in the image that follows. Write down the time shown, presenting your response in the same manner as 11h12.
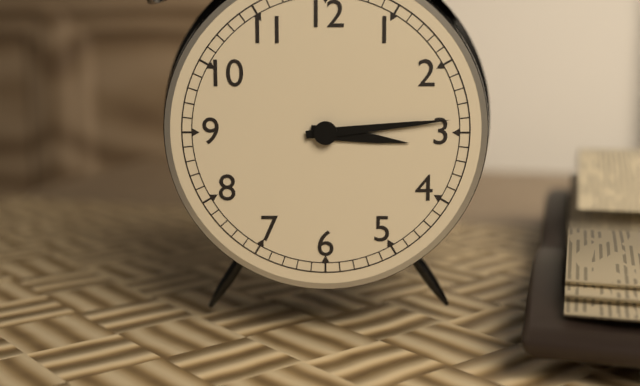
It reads 3h14
